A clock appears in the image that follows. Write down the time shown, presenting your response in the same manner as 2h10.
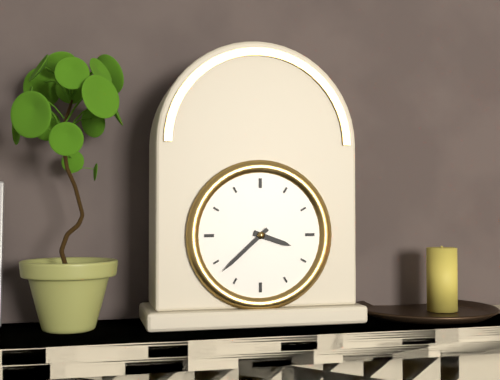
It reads 3h38
